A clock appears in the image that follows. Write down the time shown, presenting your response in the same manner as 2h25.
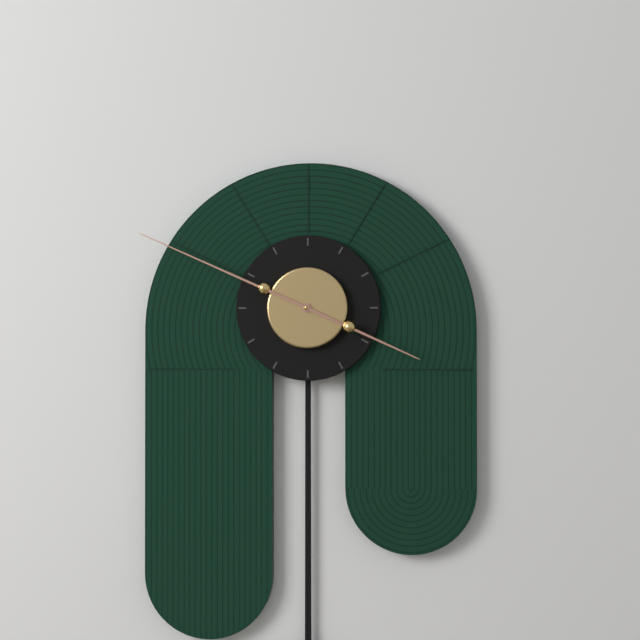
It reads 3h49
